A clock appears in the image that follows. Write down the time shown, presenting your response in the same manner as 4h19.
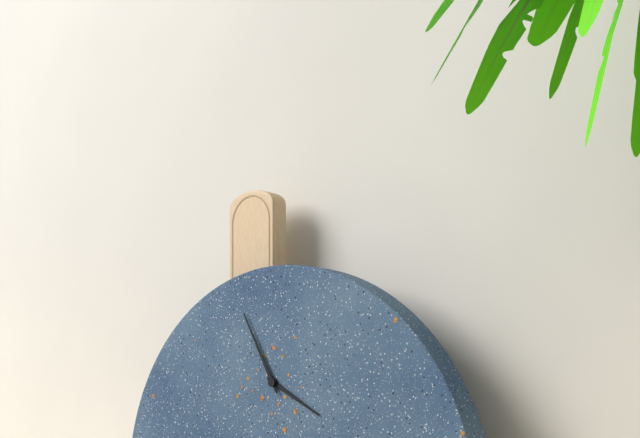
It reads 3h55
